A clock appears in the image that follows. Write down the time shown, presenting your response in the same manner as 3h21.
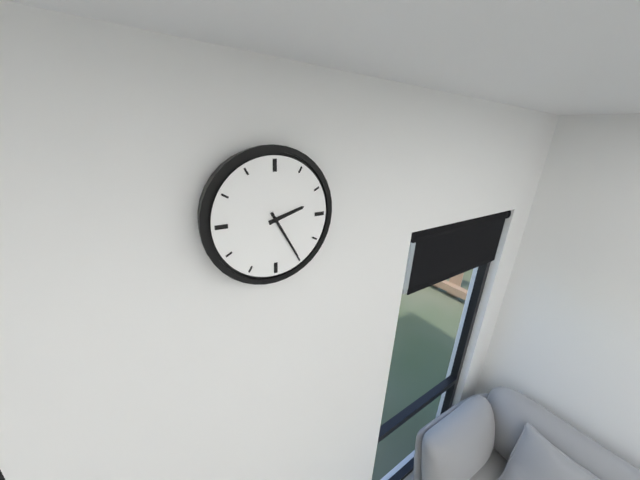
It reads 2h25
